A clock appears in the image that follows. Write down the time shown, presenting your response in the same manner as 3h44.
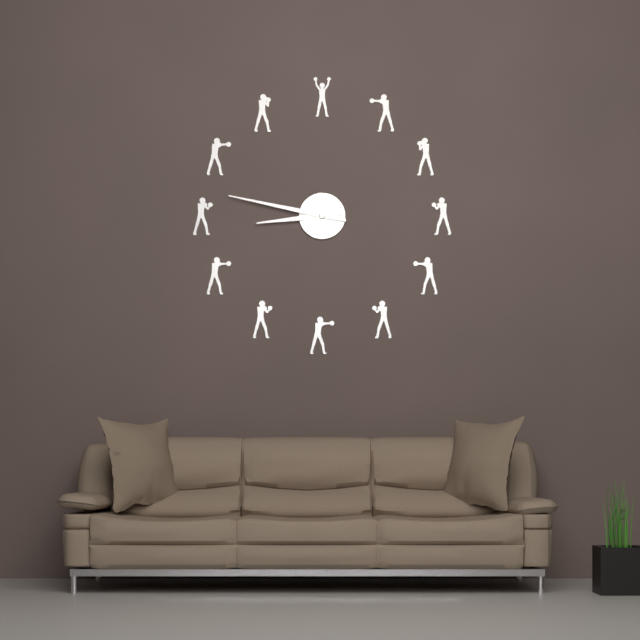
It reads 8h47
